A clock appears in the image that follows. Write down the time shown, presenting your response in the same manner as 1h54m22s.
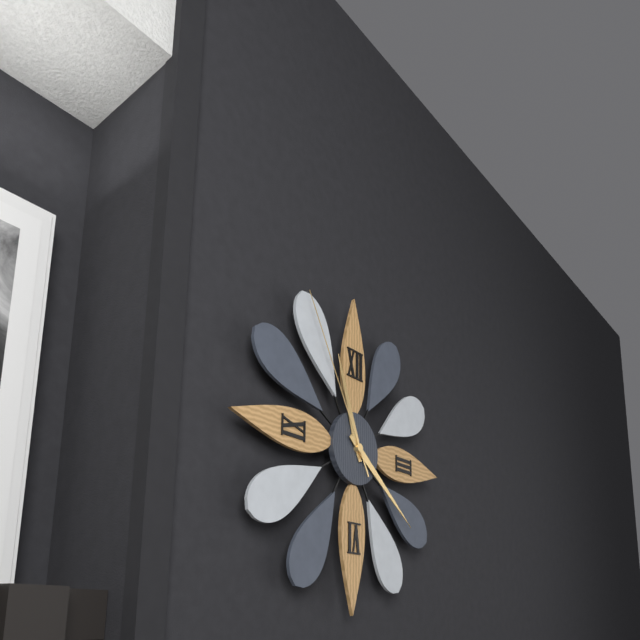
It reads 11h21m55s
